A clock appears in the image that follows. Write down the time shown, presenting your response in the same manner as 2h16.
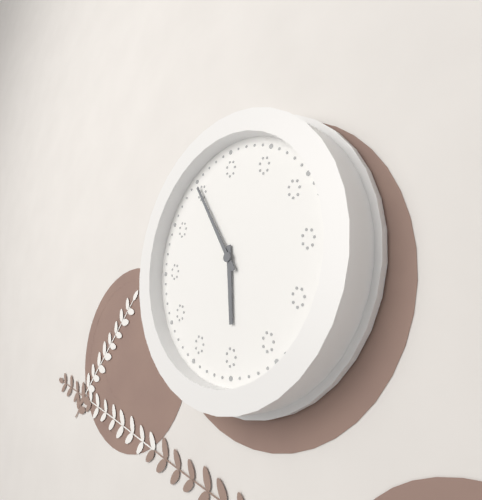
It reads 5h55
